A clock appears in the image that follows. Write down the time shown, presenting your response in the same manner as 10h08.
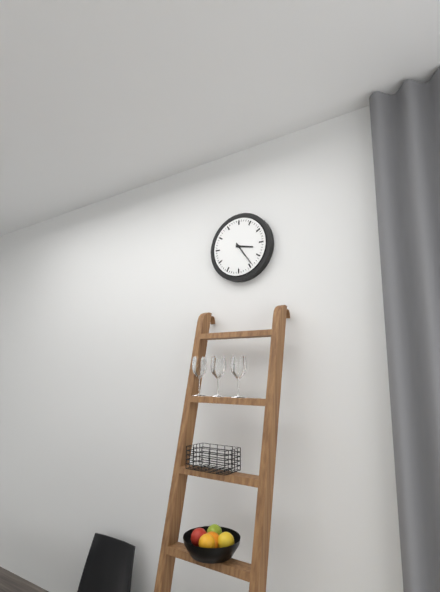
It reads 3h24
